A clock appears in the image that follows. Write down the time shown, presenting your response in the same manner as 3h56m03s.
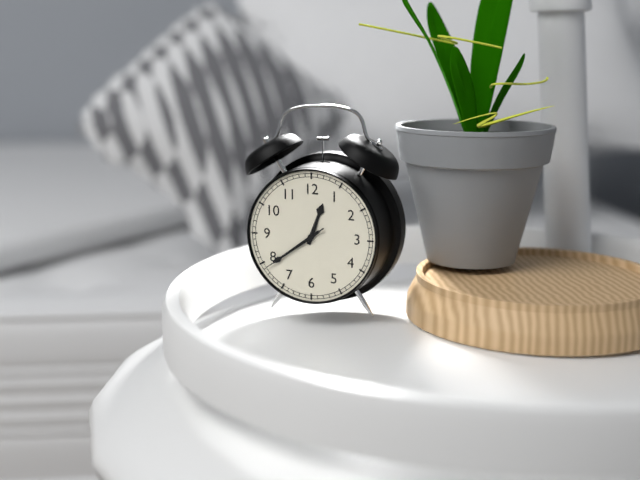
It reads 12h39m39s
